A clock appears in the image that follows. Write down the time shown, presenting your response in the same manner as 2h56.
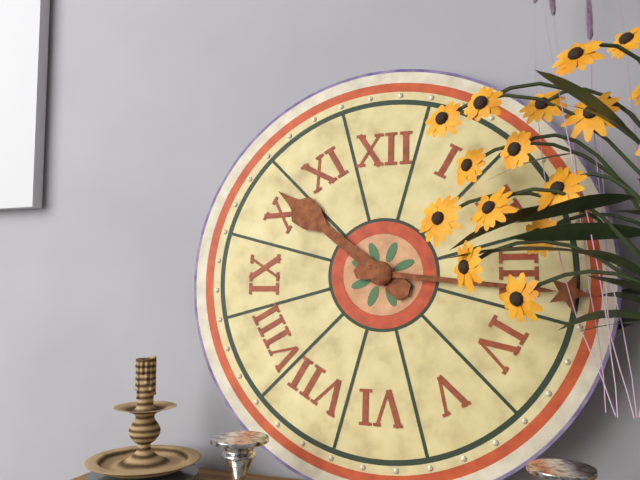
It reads 10h16
